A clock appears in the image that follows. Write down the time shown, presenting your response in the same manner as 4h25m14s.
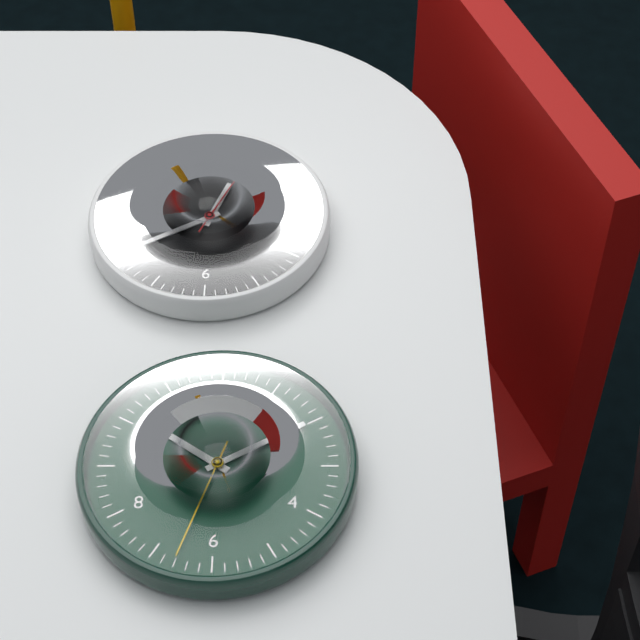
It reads 12h40m04s
